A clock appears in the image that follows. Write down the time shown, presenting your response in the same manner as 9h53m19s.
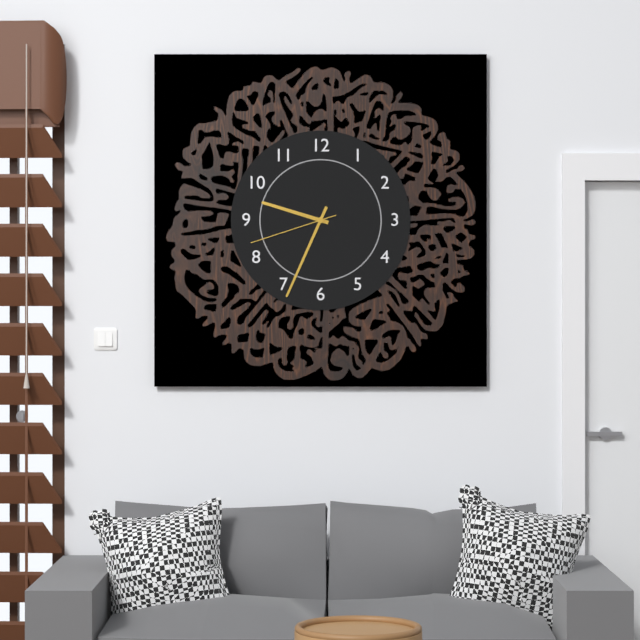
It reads 9h34m42s
